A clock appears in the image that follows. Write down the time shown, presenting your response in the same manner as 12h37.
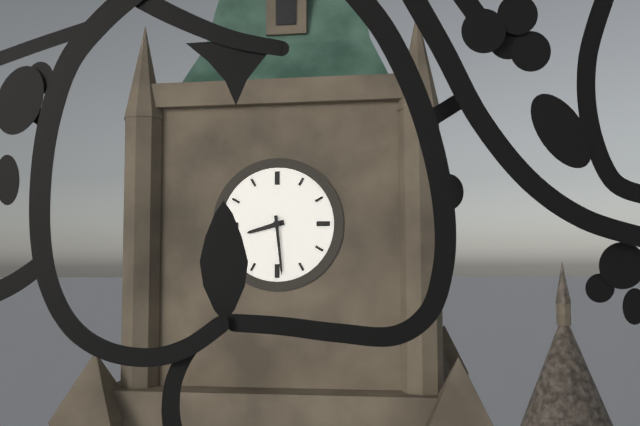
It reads 8h29
